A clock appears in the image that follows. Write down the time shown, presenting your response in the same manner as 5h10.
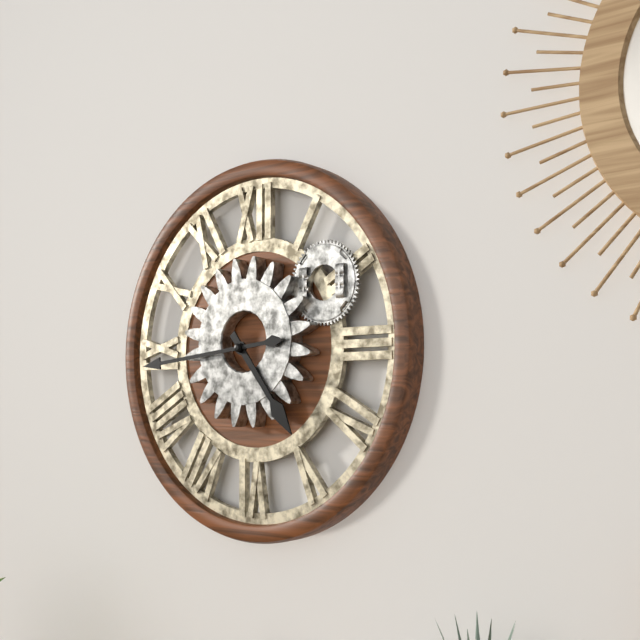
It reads 4h44
